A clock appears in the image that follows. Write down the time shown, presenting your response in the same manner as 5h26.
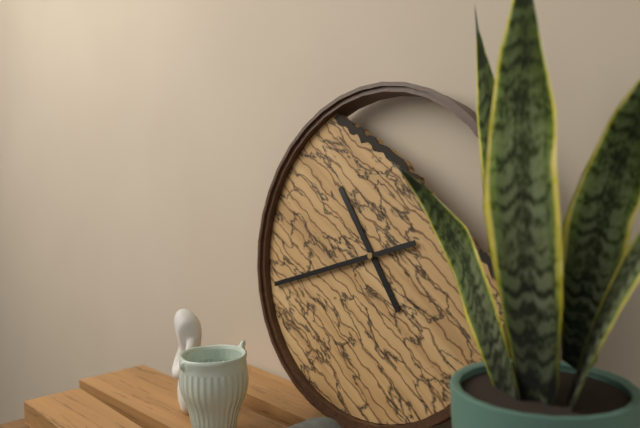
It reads 10h42
